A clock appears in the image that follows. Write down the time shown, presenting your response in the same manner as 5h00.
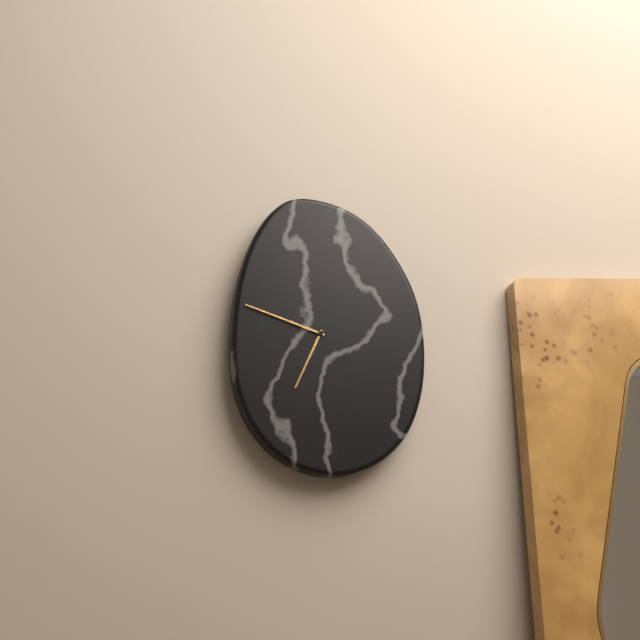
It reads 6h48
